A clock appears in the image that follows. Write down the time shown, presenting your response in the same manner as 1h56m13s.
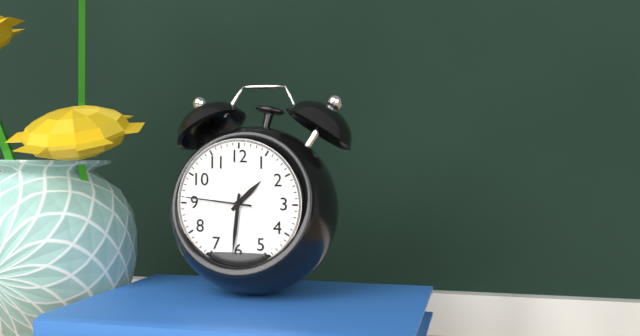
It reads 1h31m46s
